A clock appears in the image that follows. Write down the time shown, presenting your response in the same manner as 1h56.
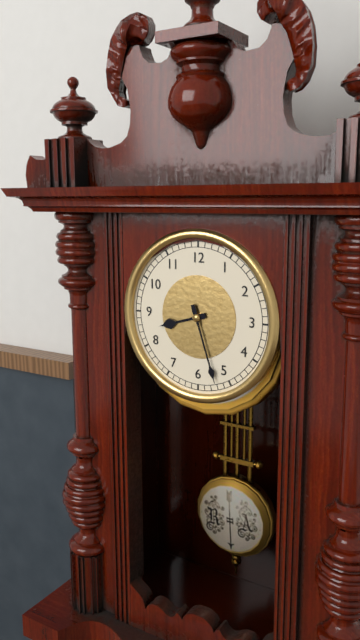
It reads 8h27
